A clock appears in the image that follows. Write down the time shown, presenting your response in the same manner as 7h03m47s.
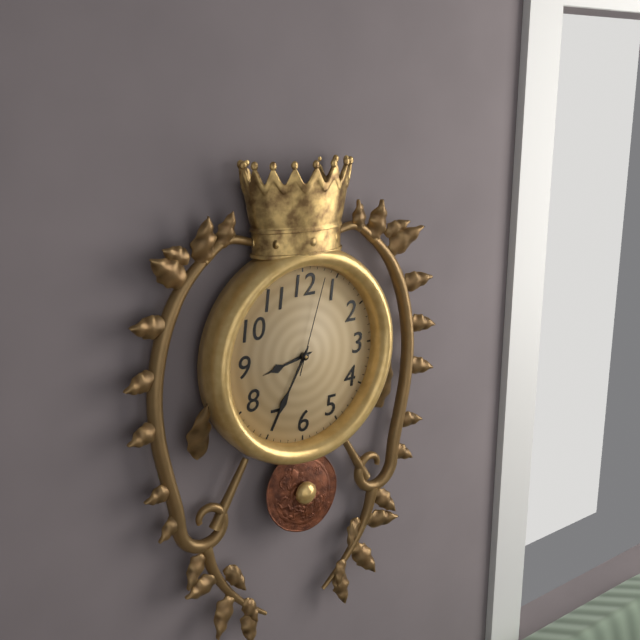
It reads 8h35m03s
